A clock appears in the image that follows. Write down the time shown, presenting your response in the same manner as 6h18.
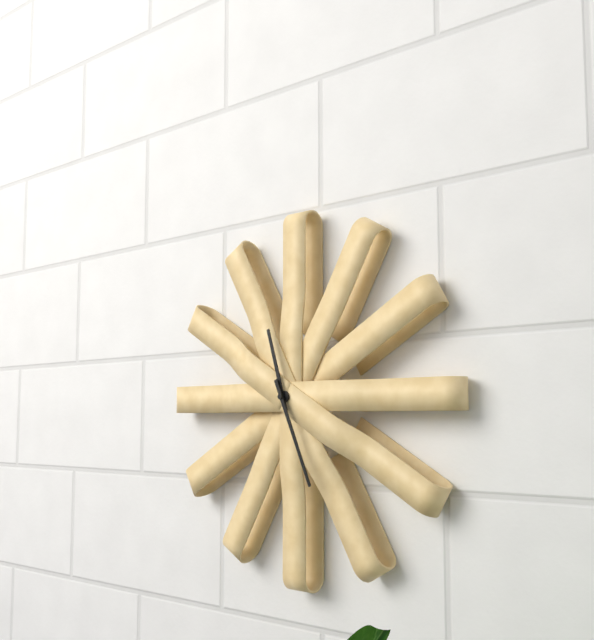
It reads 11h26
